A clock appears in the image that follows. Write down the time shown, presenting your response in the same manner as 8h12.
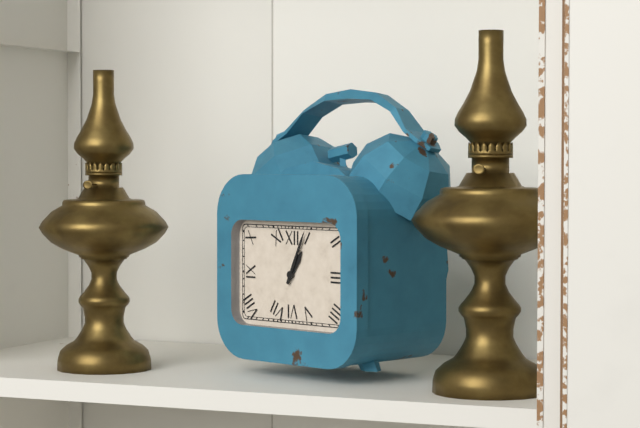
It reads 1h04
